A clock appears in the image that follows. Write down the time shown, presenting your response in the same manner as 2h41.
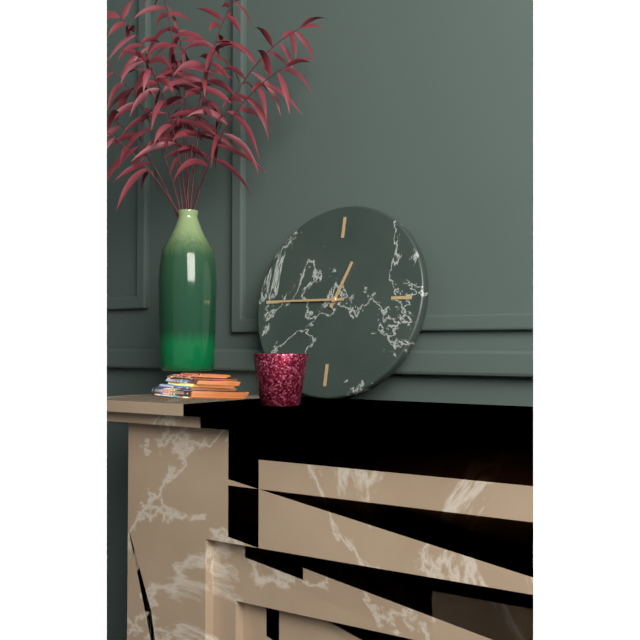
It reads 12h45
